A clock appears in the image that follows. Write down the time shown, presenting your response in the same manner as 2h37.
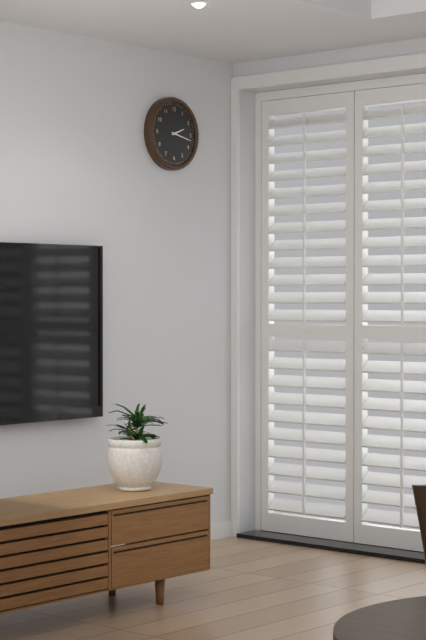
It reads 2h17
